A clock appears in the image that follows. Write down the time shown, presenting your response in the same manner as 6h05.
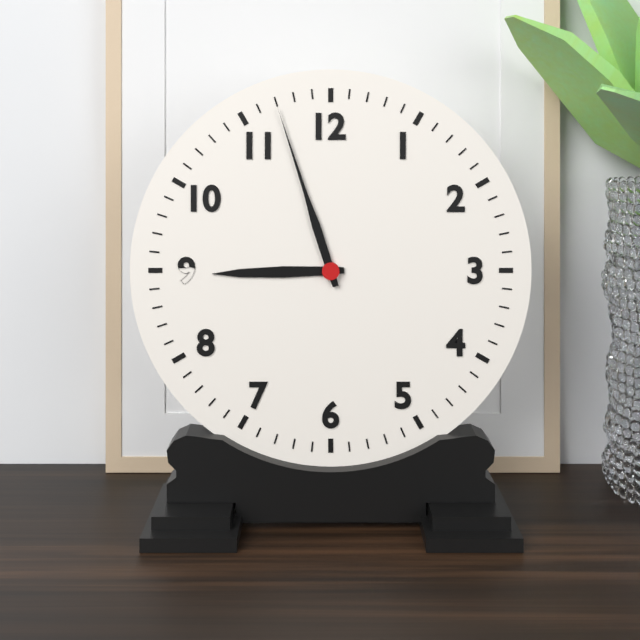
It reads 8h57
